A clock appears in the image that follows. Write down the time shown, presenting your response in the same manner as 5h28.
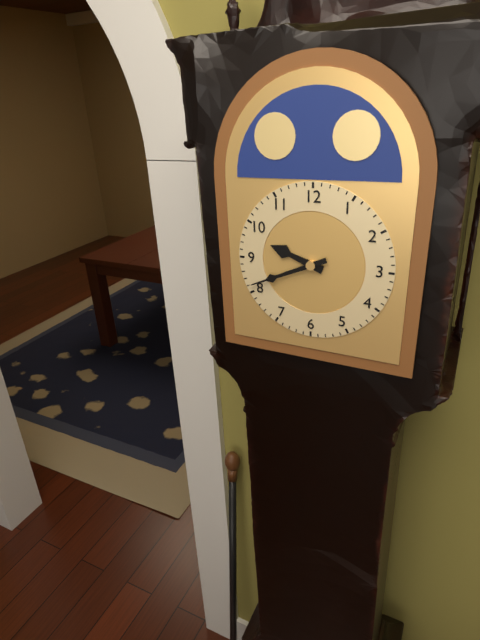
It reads 9h41
